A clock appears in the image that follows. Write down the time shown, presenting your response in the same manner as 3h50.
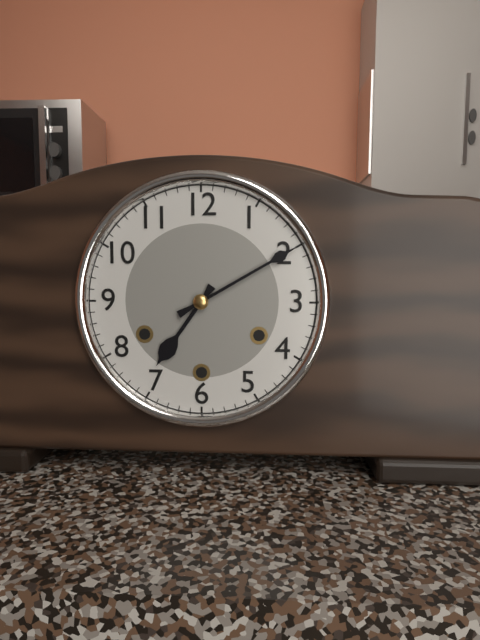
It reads 7h10
